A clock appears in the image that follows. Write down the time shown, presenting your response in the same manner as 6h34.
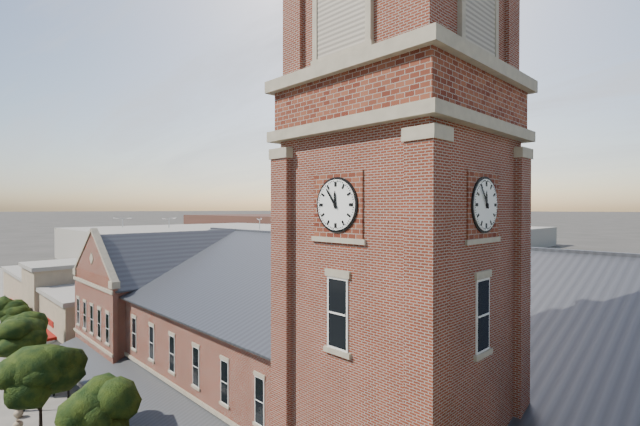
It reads 11h54
